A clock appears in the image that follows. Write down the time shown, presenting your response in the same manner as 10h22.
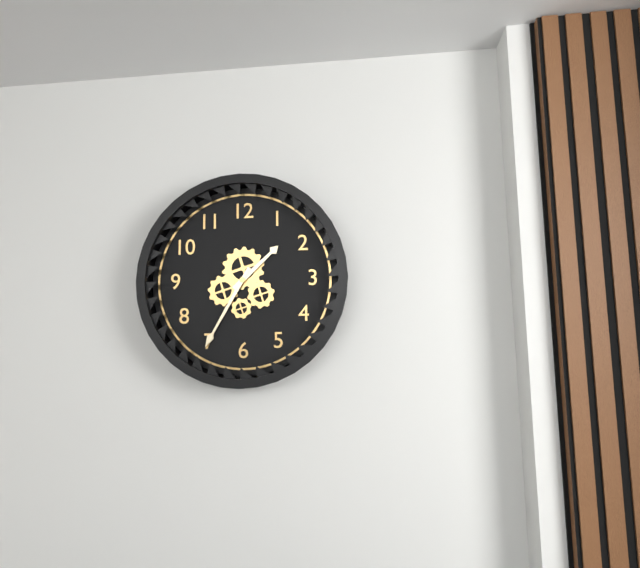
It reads 1h35
